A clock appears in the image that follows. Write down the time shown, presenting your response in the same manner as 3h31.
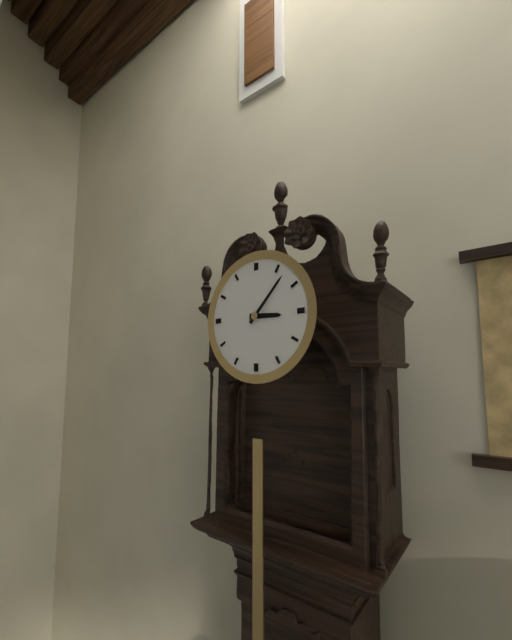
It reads 3h07
